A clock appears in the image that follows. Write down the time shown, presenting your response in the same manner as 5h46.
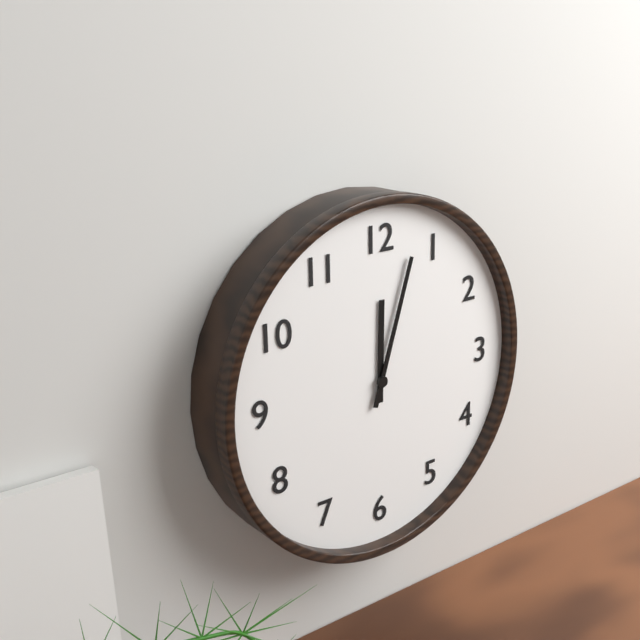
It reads 12h03
